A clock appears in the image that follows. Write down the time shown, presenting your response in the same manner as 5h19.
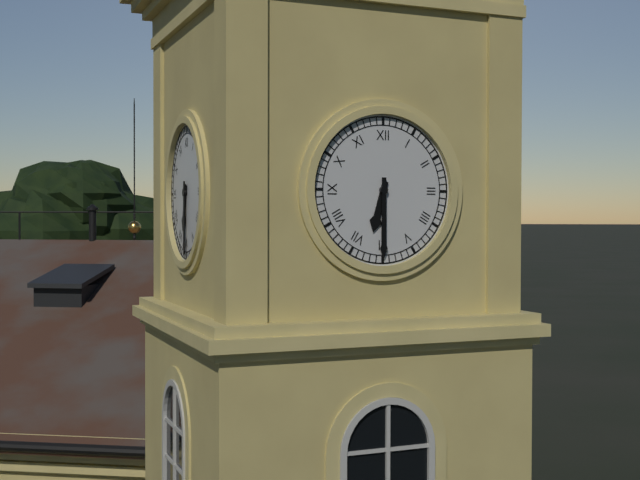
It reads 6h30
